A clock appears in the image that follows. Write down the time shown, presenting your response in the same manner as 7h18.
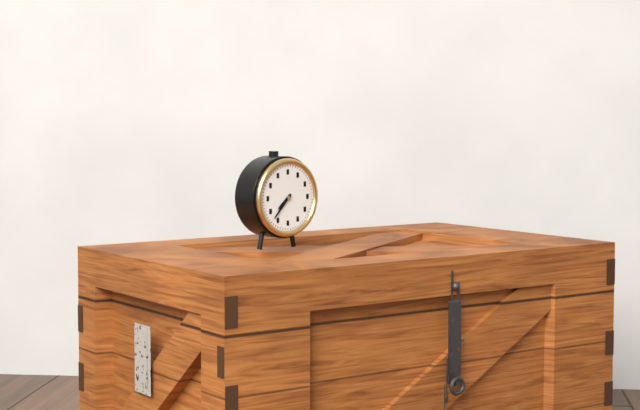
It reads 7h37
